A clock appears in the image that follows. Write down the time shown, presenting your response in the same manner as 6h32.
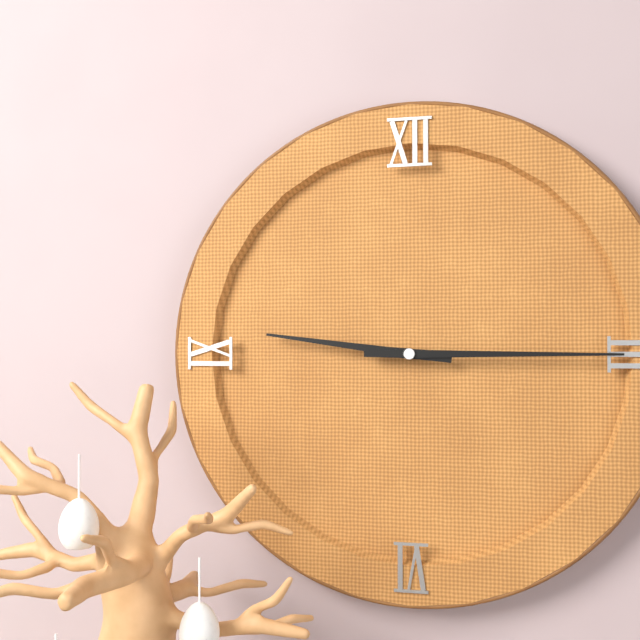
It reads 9h15
